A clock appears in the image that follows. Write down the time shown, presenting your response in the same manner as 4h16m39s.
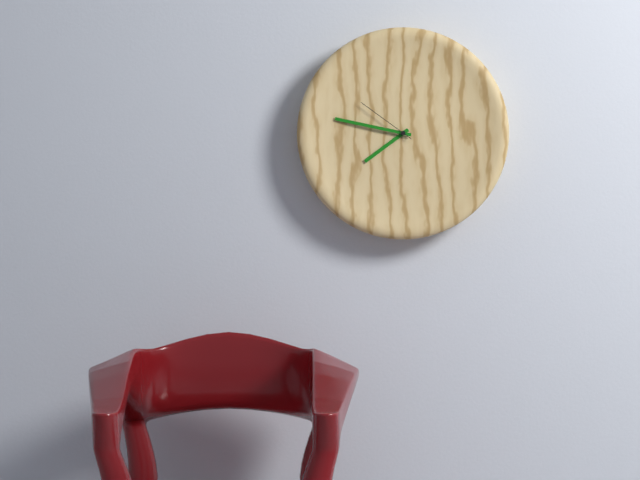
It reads 7h47m51s
